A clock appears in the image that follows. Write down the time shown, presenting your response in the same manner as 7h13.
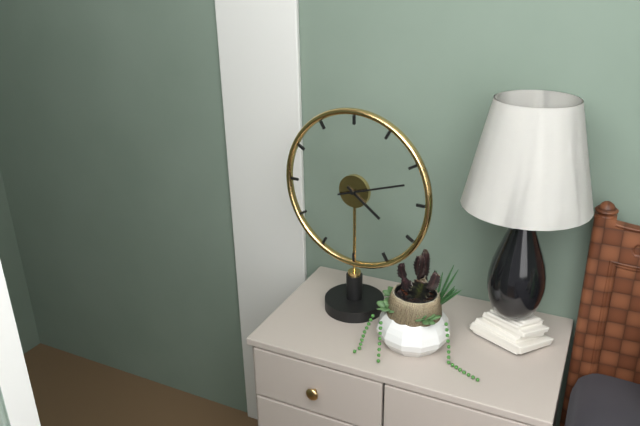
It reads 4h12
